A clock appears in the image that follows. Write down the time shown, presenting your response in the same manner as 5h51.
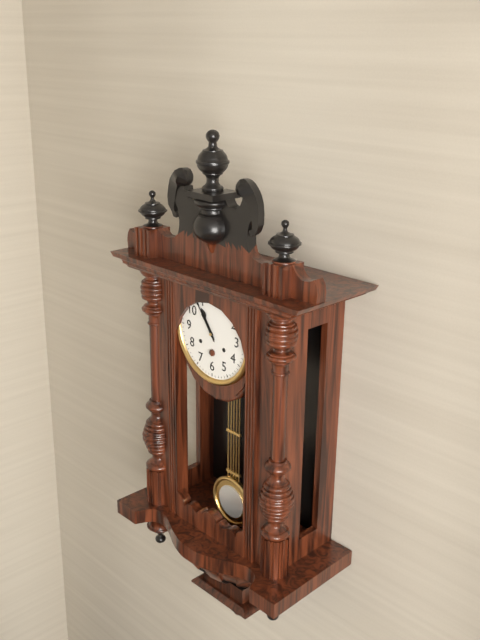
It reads 10h54
